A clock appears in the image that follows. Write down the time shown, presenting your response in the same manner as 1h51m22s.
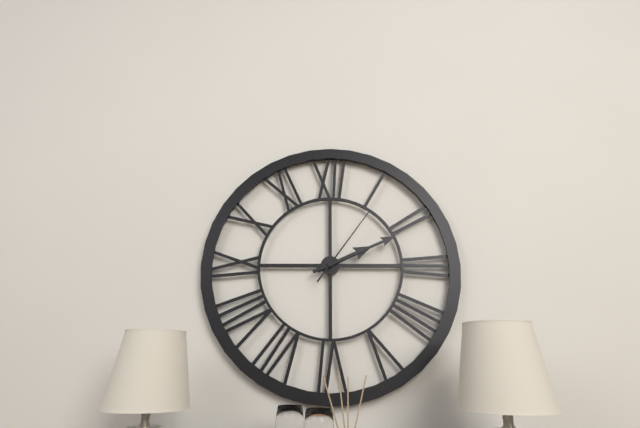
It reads 2h11m06s
